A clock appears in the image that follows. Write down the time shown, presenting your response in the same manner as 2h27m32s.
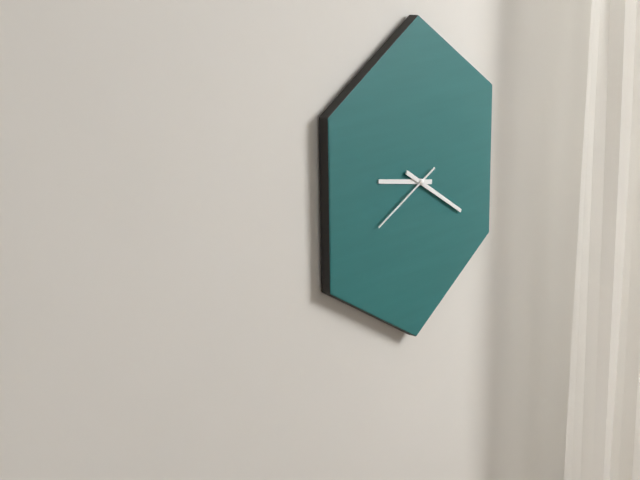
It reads 9h20m41s
